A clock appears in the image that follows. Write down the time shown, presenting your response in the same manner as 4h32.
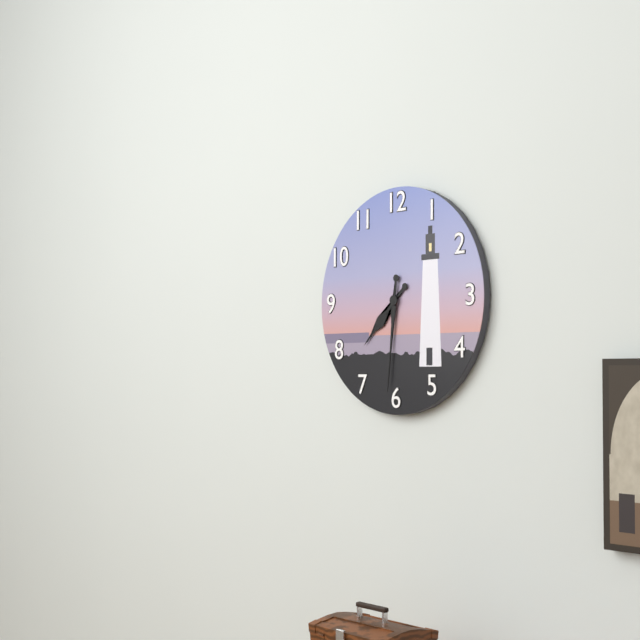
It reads 7h31
